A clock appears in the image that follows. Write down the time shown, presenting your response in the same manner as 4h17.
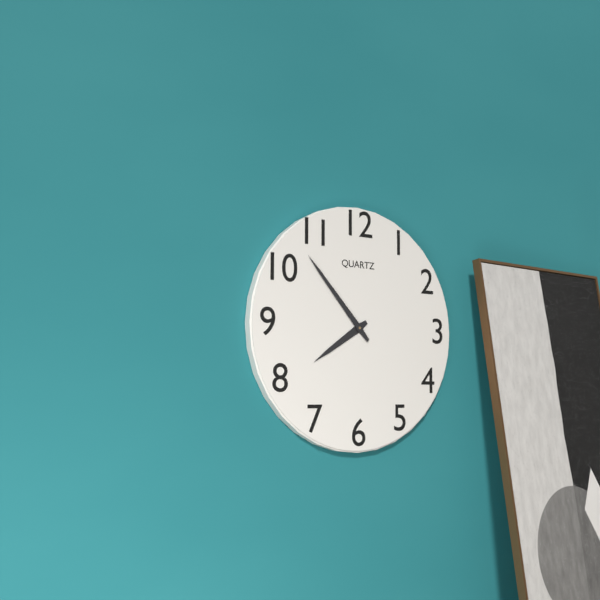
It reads 7h53
